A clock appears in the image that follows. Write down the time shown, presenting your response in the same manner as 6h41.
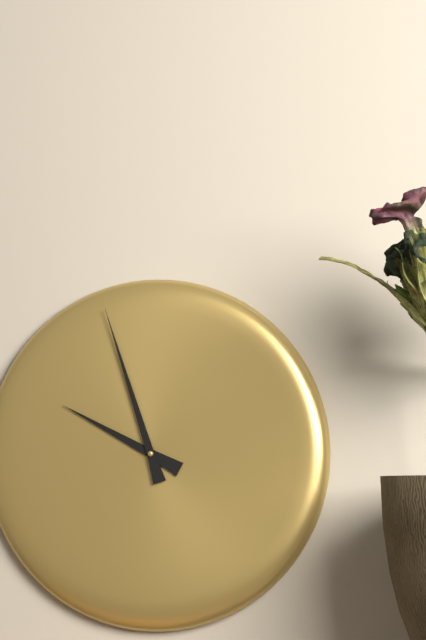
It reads 9h57
